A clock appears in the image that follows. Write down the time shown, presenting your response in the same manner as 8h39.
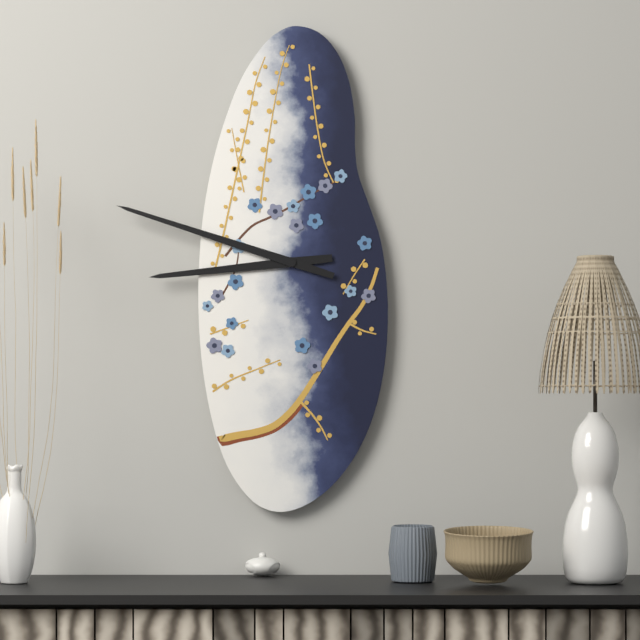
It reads 8h48
